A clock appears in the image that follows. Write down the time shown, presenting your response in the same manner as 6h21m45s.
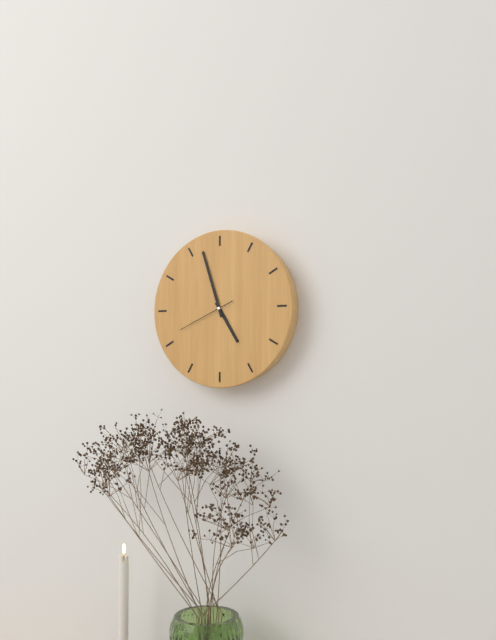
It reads 4h57m41s
